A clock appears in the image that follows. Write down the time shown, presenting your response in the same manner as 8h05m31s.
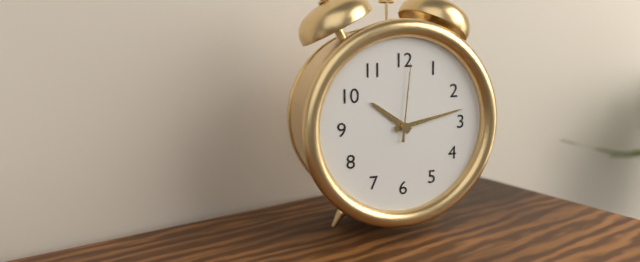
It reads 10h13m01s
